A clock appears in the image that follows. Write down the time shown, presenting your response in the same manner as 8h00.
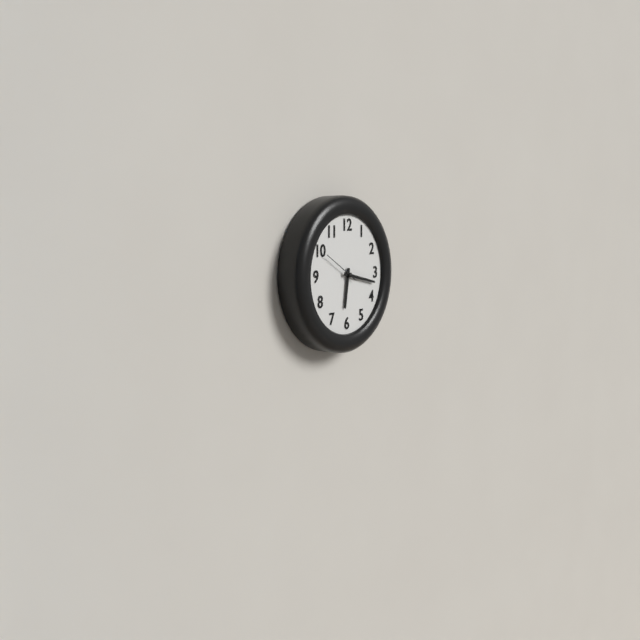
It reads 6h17
